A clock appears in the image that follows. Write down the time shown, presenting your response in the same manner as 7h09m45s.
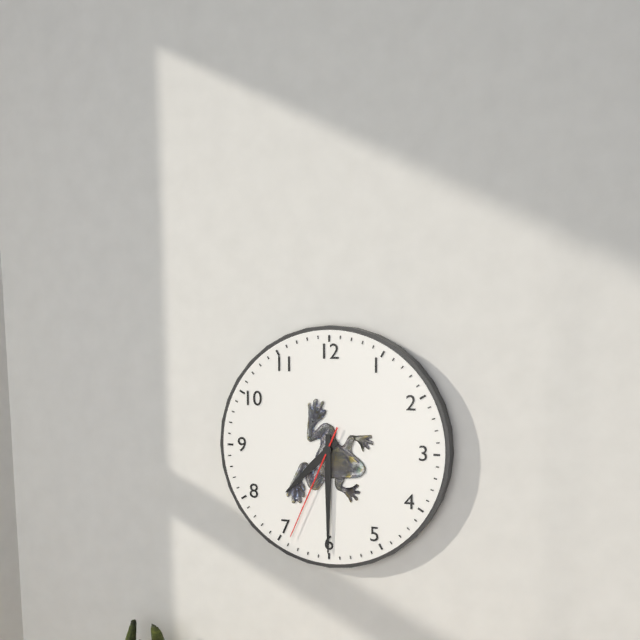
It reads 7h30m34s
